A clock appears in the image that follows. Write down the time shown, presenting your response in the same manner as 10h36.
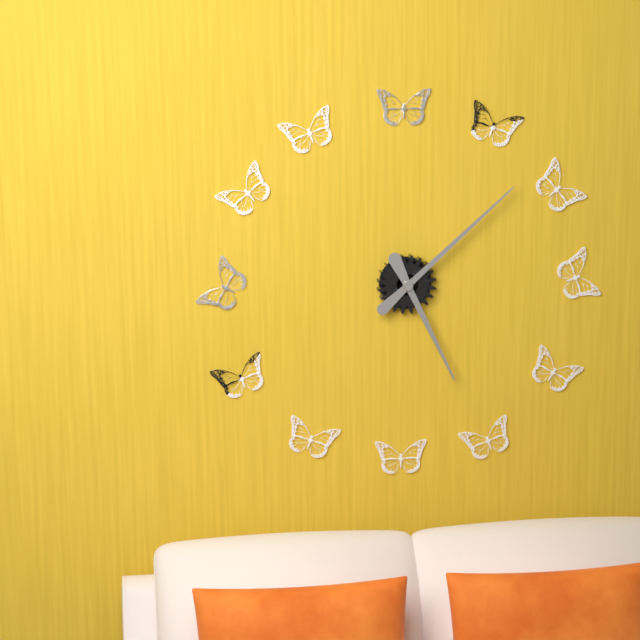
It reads 5h08
